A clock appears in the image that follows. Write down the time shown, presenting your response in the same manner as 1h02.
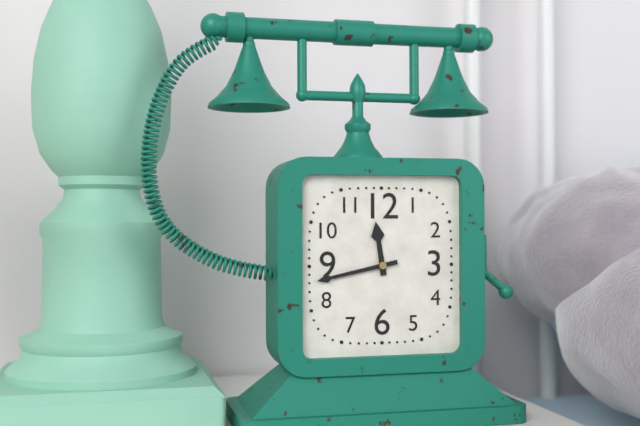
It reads 11h43
